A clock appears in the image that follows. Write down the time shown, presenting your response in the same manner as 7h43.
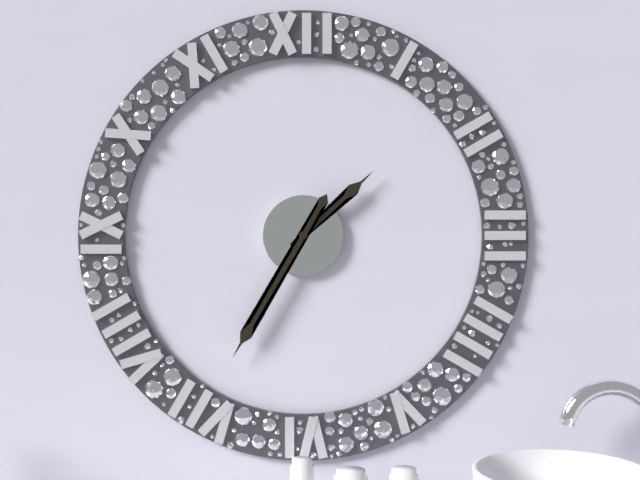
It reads 1h35
